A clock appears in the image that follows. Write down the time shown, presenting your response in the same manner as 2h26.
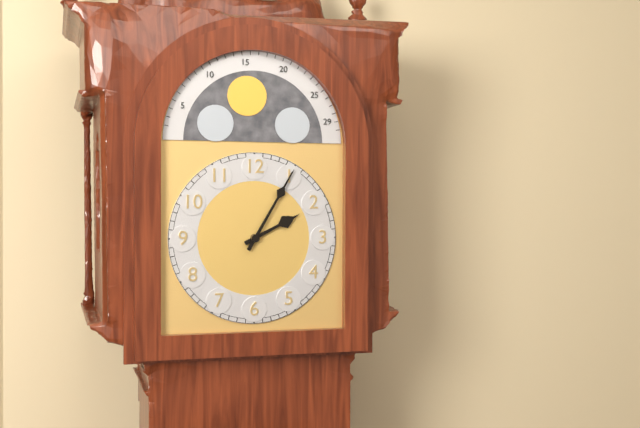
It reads 2h05
